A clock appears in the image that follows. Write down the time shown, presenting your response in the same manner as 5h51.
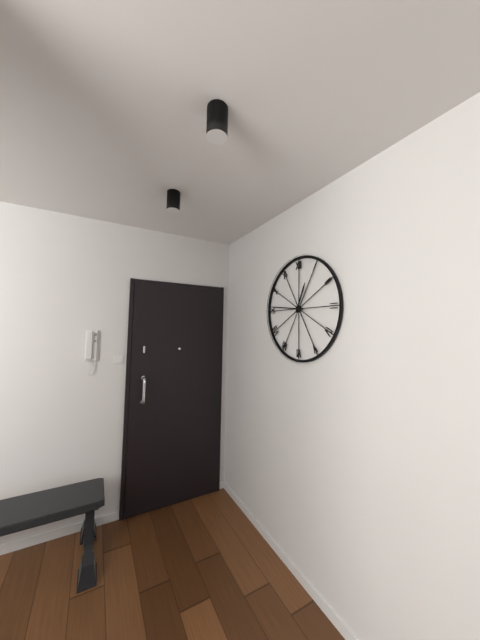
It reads 12h46
